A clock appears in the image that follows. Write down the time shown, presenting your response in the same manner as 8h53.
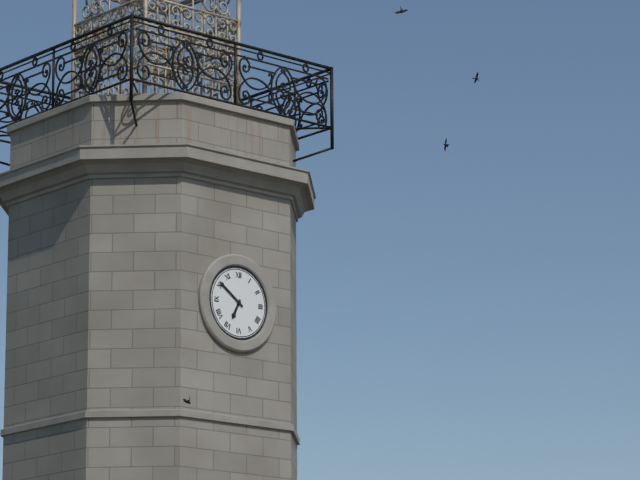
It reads 6h51
